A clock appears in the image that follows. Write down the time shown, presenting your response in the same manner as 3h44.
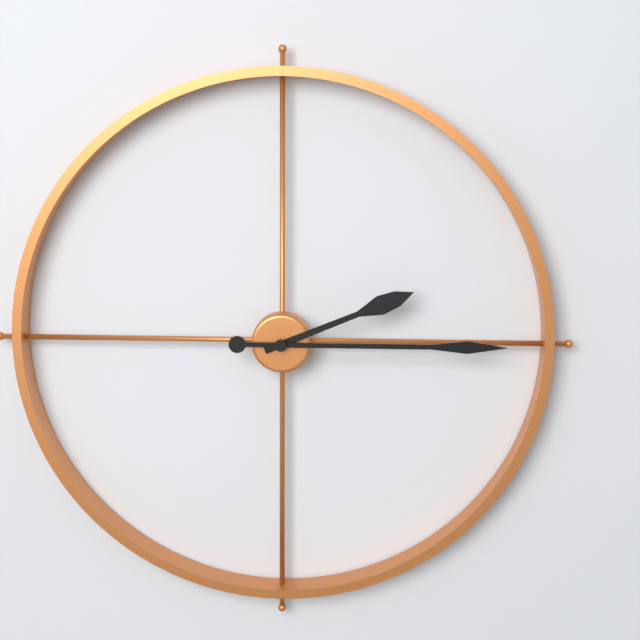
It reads 2h15
